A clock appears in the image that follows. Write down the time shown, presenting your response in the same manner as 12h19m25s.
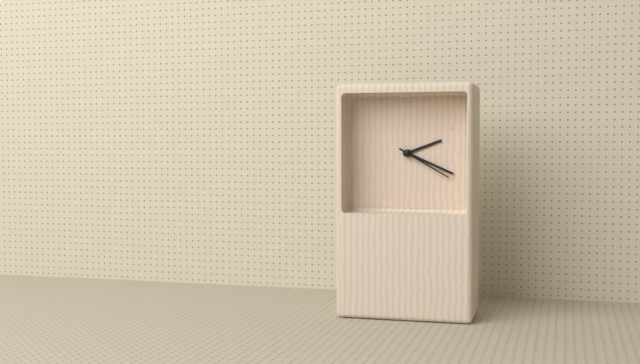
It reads 2h19m20s
